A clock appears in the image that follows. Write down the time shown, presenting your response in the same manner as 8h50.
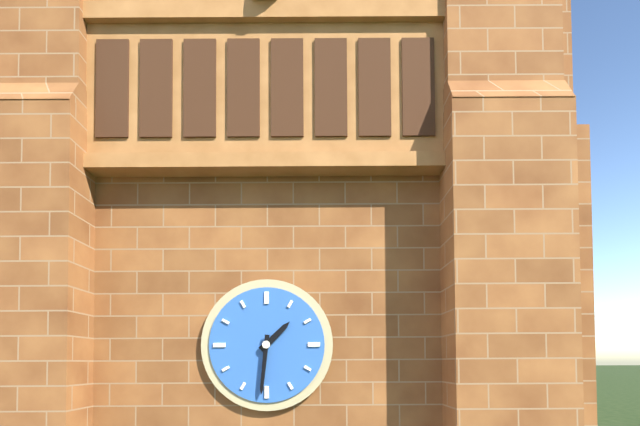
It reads 1h31
